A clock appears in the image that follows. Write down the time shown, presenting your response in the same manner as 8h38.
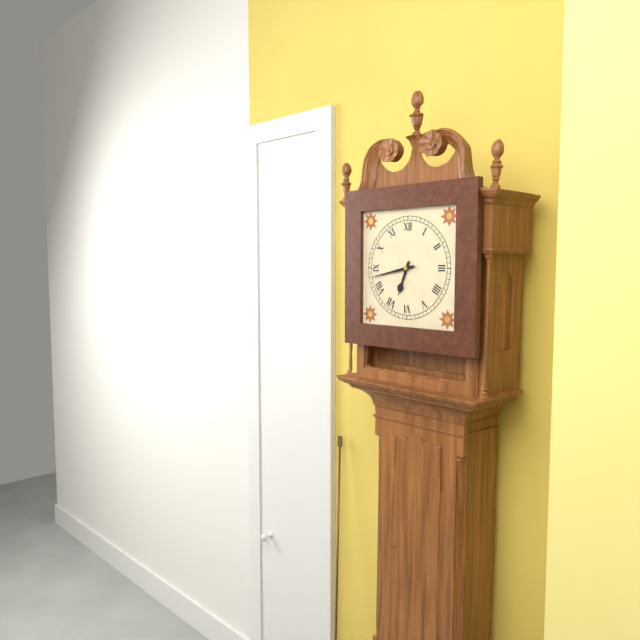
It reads 6h43
